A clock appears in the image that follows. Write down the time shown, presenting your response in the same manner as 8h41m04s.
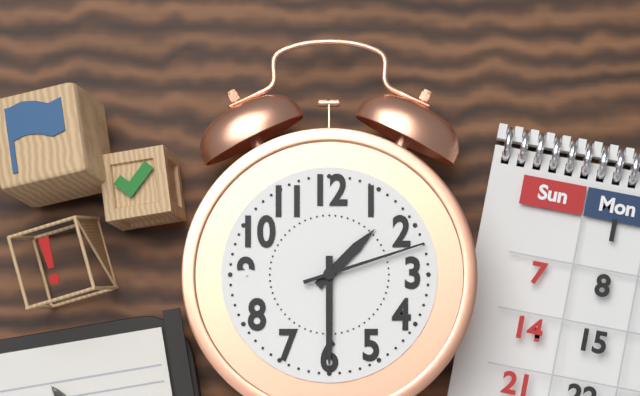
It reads 1h30m12s
